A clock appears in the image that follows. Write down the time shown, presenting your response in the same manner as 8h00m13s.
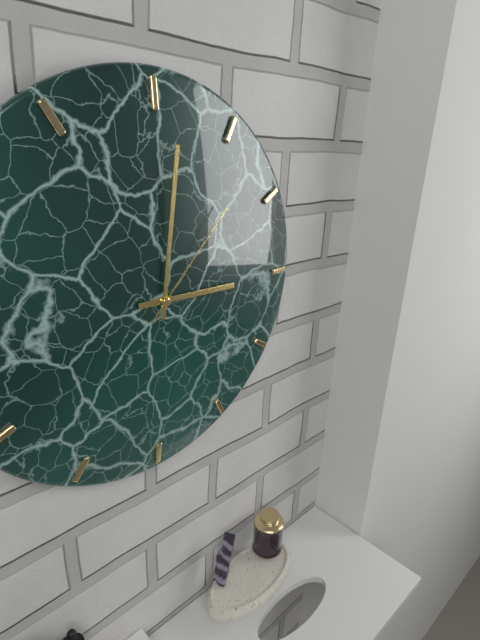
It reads 3h01m07s
